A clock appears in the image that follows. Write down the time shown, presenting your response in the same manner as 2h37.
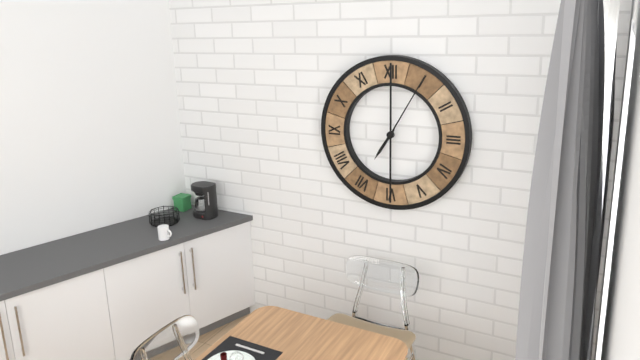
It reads 7h05
